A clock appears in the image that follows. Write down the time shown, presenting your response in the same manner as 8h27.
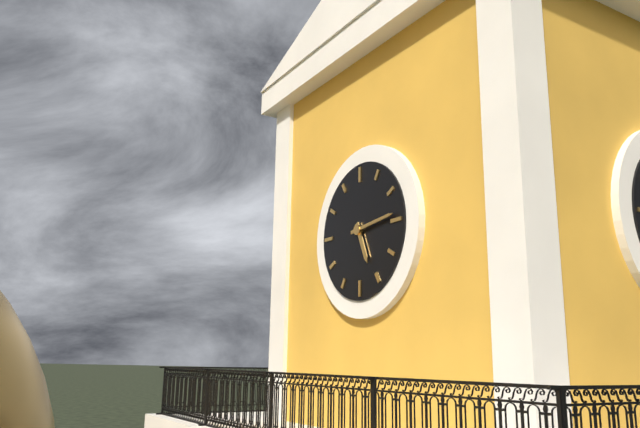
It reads 5h14
